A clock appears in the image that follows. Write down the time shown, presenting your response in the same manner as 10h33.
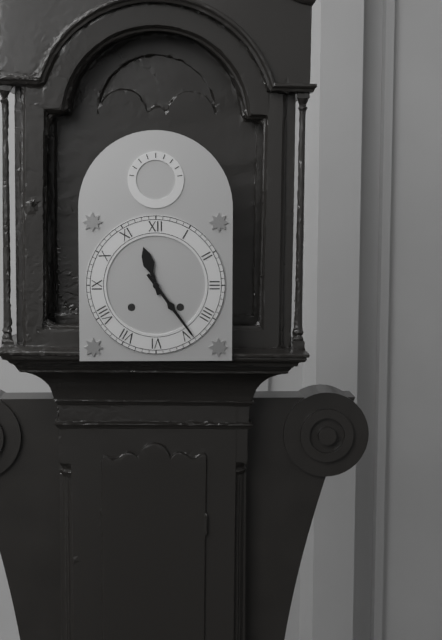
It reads 11h24
